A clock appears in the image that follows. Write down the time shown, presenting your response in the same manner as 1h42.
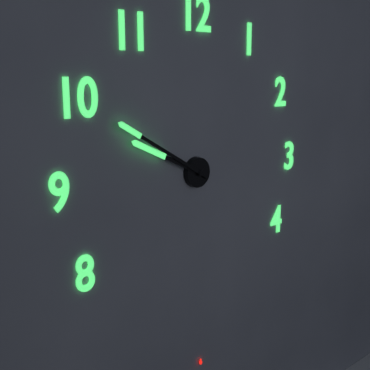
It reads 9h50
